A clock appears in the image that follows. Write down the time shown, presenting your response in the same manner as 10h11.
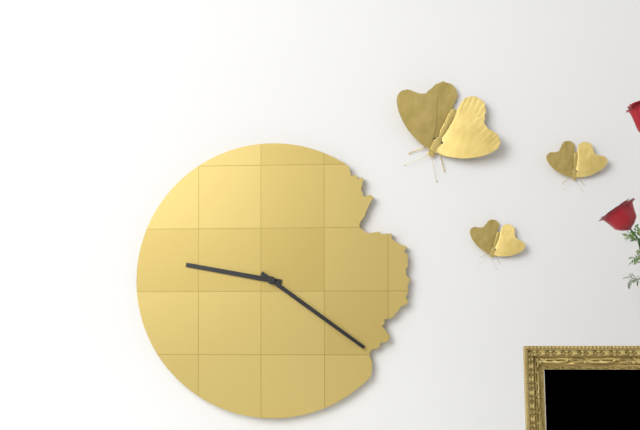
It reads 9h21
